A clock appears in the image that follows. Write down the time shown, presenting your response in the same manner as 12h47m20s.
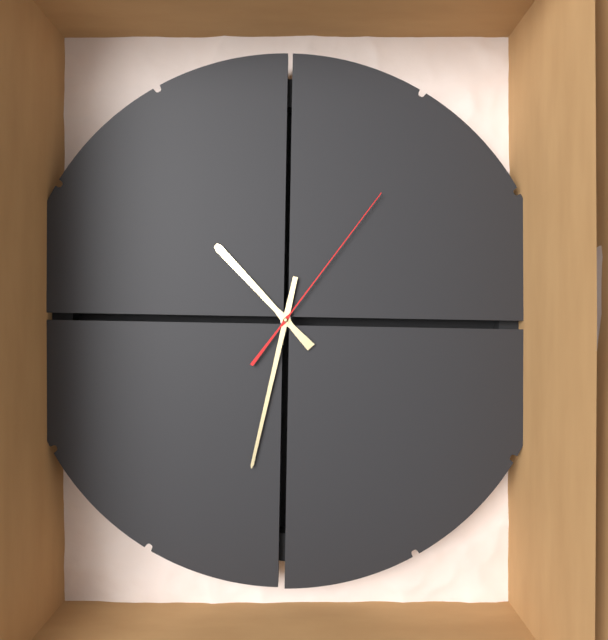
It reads 10h32m06s
